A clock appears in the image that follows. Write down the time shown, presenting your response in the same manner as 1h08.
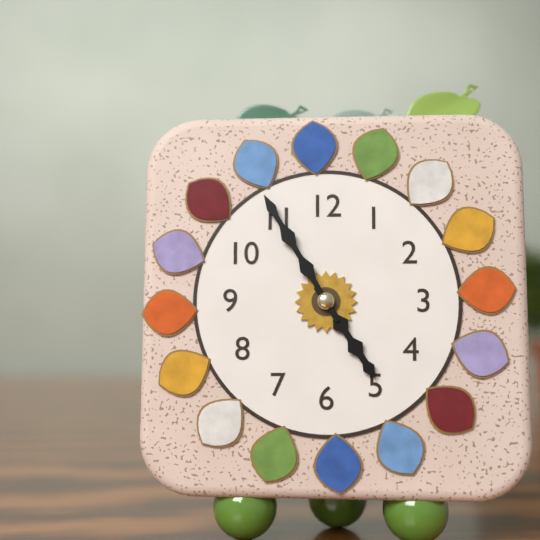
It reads 4h55
